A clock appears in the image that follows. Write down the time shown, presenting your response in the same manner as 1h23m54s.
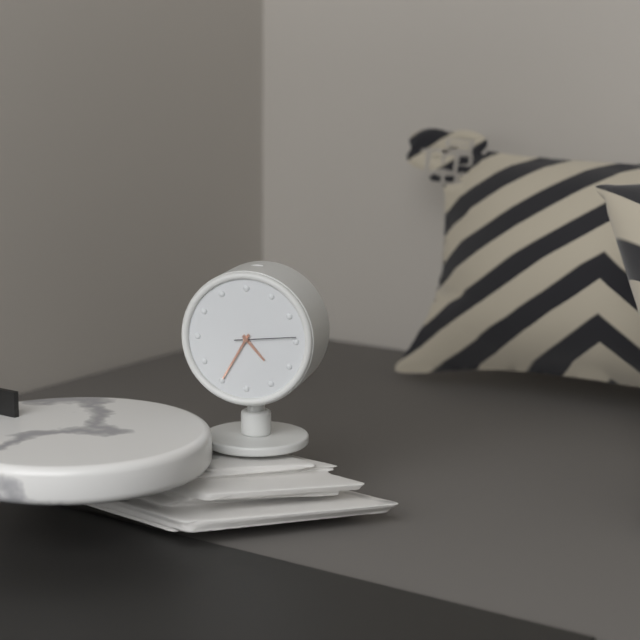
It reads 4h35m14s
